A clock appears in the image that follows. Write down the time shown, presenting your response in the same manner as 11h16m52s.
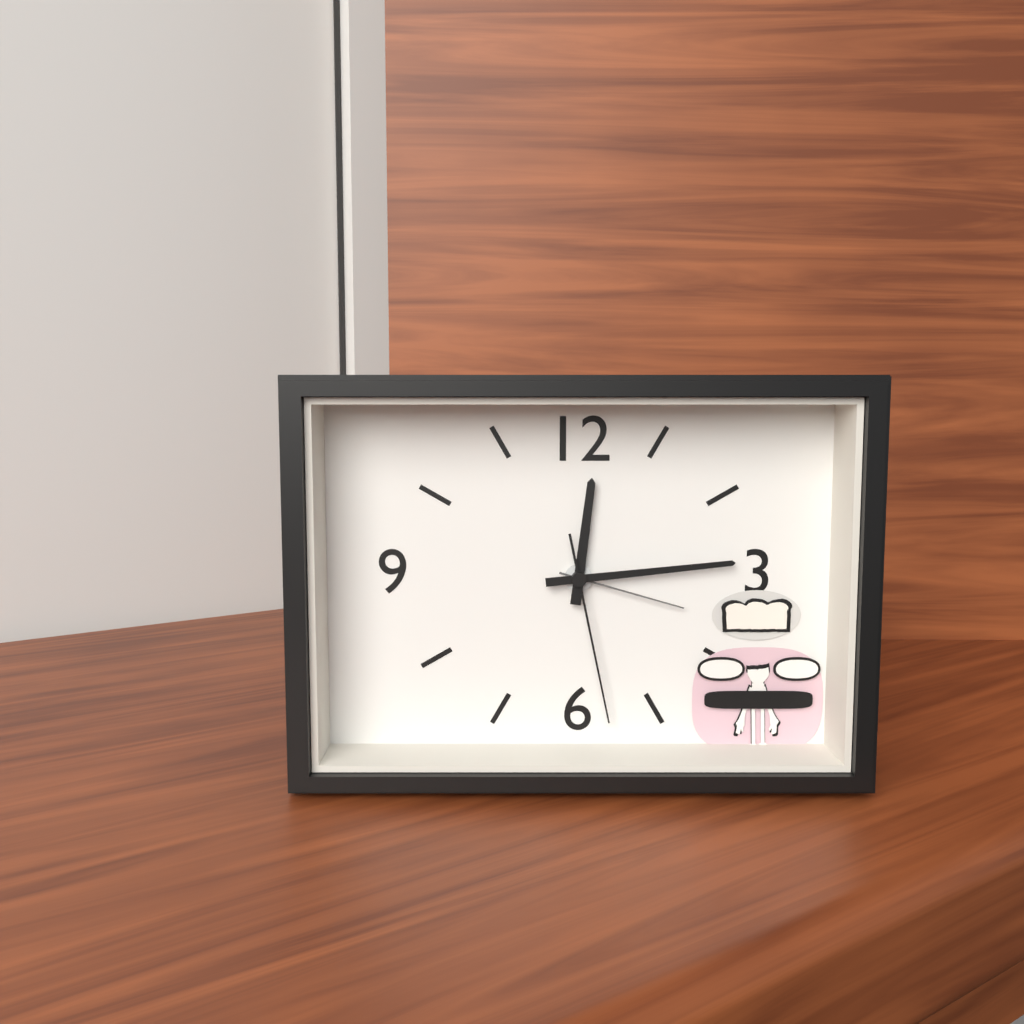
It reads 12h14m28s
